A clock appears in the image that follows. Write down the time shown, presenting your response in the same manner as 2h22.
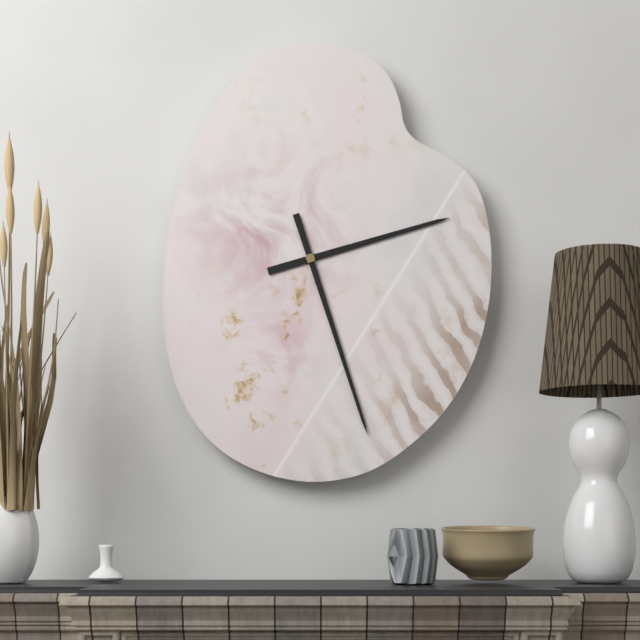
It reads 2h27
